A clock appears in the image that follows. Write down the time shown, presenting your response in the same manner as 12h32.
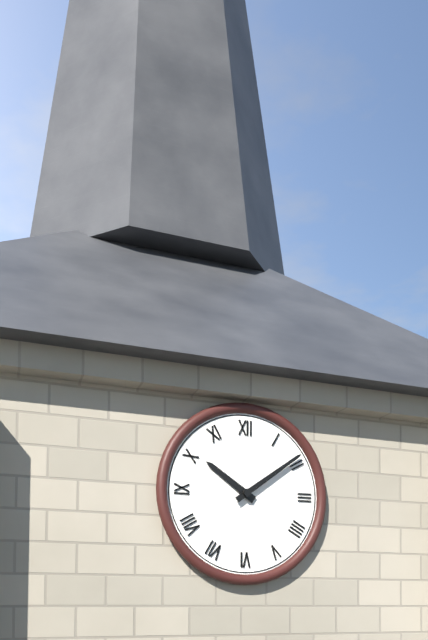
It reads 10h09
